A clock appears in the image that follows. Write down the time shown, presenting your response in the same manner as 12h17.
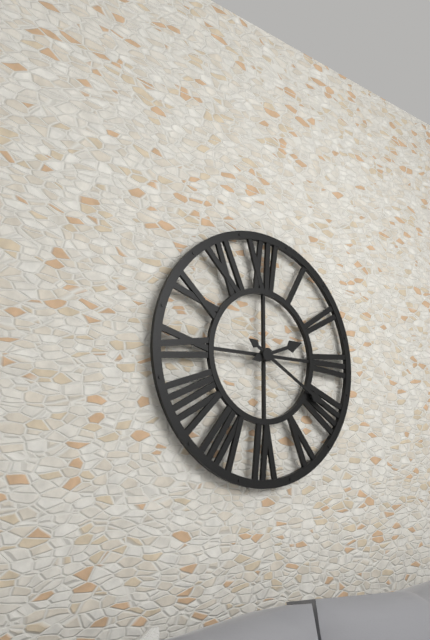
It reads 2h20
